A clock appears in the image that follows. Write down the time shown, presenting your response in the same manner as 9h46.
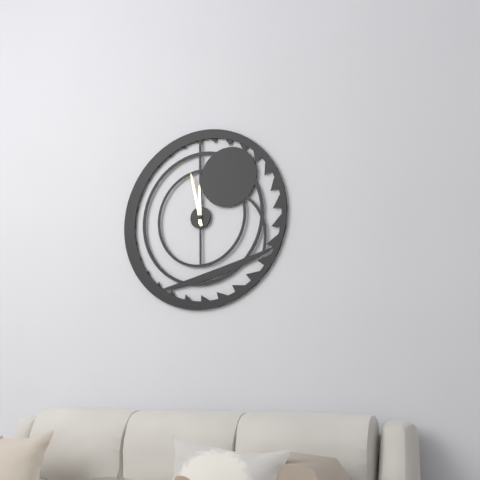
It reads 11h58
